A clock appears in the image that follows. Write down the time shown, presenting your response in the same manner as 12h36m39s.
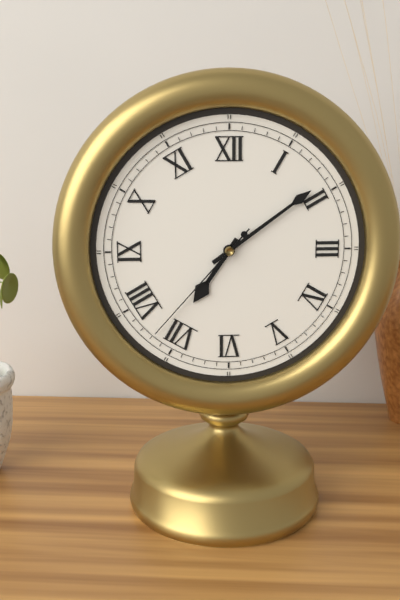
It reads 7h09m37s
